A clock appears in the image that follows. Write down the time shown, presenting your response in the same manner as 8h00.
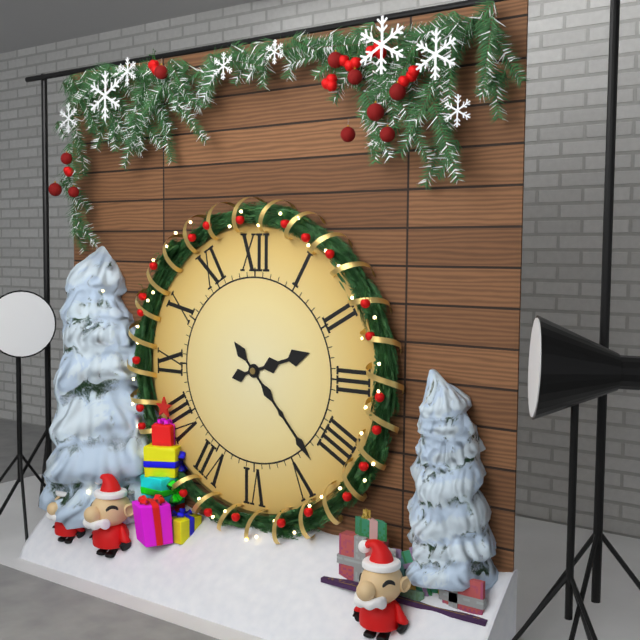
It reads 2h23
